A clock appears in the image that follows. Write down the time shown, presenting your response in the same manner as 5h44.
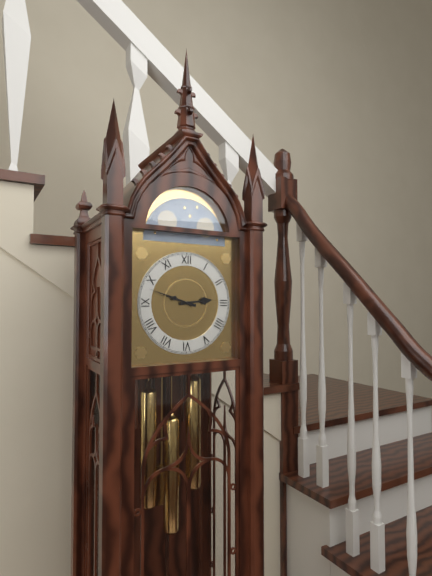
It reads 2h48
